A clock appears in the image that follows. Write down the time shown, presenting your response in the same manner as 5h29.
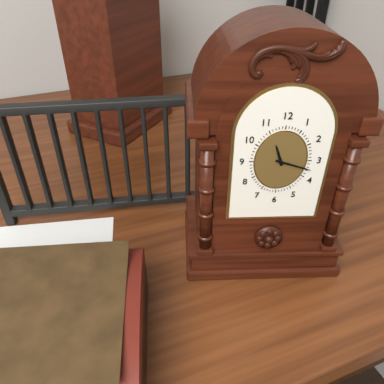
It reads 11h18
